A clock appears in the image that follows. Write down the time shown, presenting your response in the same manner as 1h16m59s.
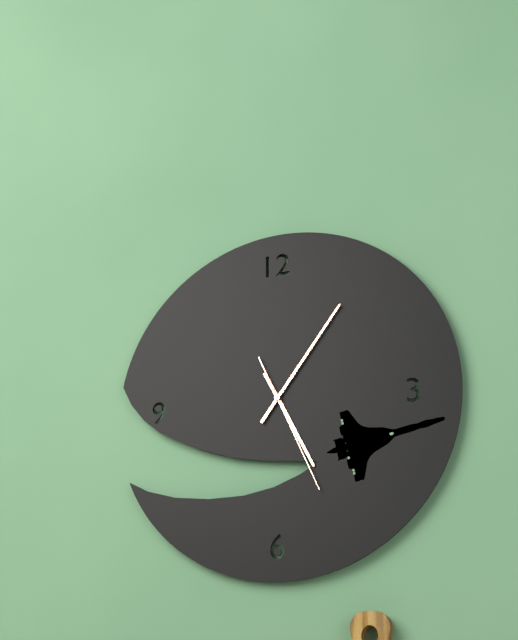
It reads 5h06m26s
